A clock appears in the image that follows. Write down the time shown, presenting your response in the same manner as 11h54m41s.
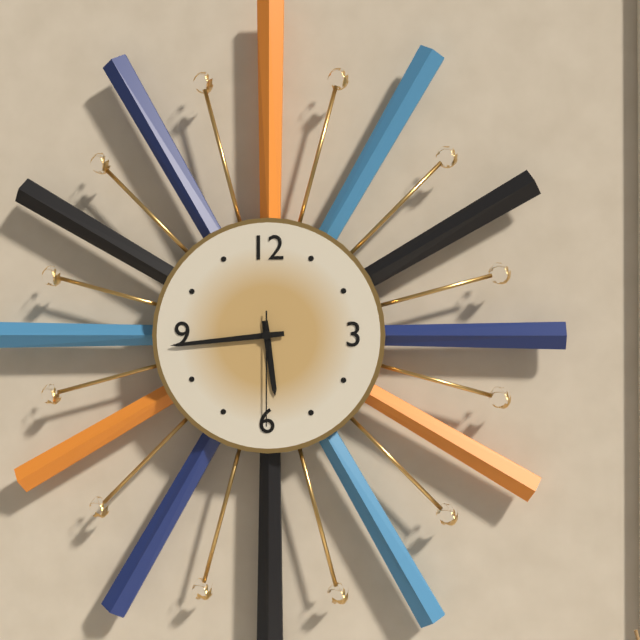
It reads 5h44m30s
